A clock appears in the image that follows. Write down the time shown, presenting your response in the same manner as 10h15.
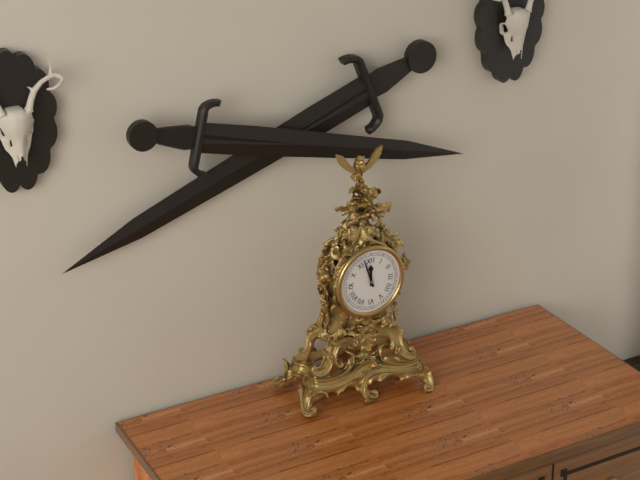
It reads 11h57
